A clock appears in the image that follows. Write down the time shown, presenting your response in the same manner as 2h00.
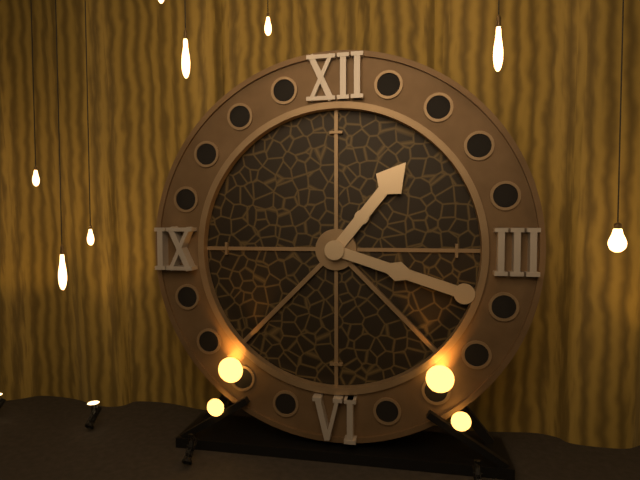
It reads 1h18
